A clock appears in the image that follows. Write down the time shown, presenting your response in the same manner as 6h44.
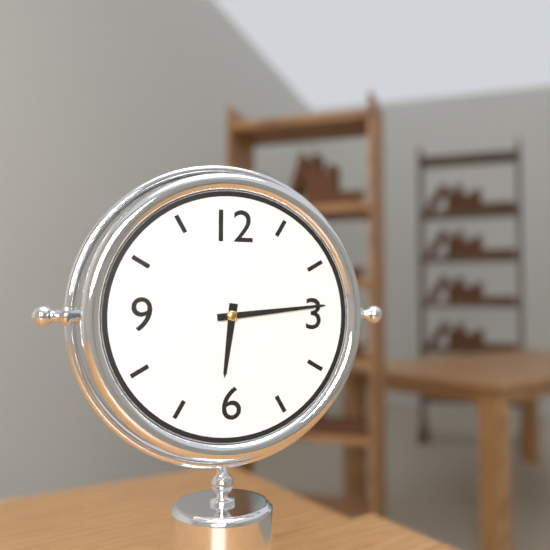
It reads 6h14
